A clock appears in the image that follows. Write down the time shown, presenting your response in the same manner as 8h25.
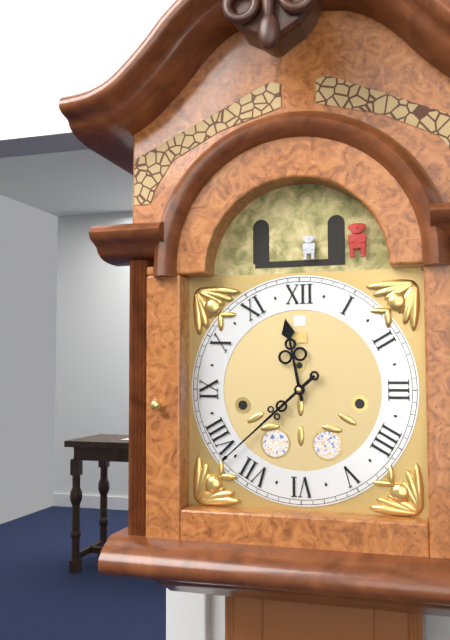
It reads 11h38
